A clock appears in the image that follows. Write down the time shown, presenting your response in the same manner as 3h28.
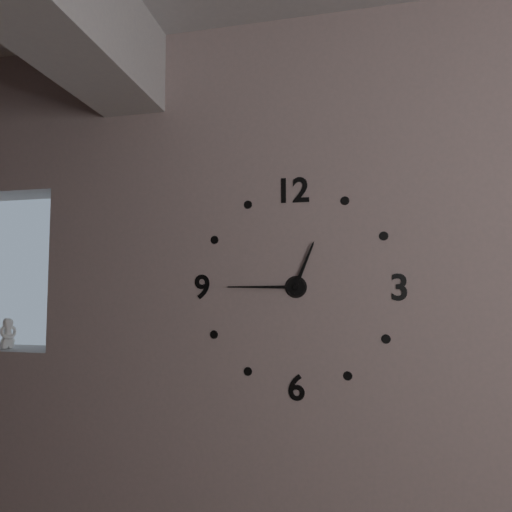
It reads 12h45
